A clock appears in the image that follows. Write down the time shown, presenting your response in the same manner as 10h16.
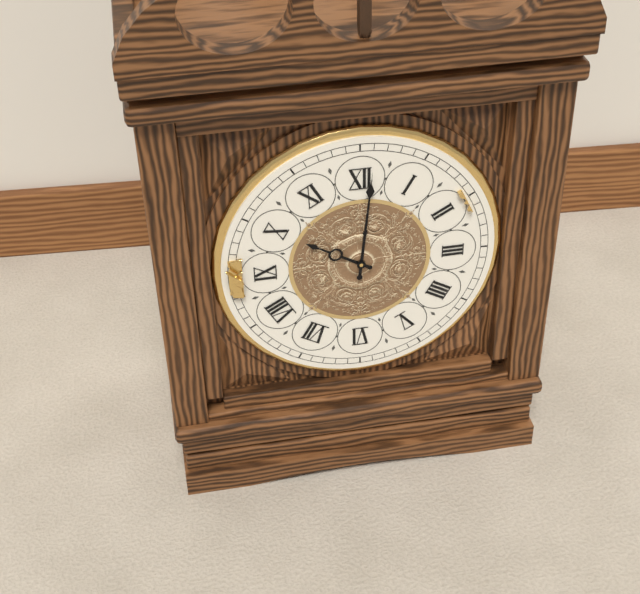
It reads 10h01
